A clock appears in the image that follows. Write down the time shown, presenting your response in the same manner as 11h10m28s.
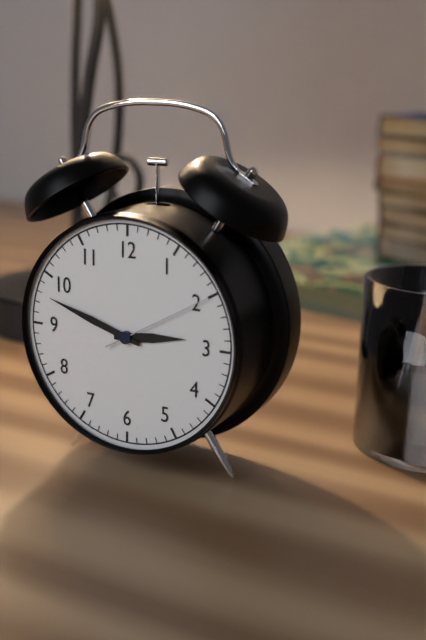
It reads 2h48m10s
